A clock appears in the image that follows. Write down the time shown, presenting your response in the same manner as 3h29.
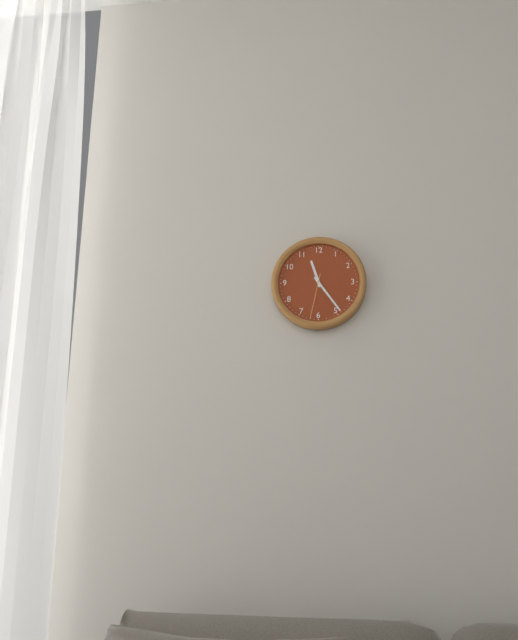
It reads 11h24
